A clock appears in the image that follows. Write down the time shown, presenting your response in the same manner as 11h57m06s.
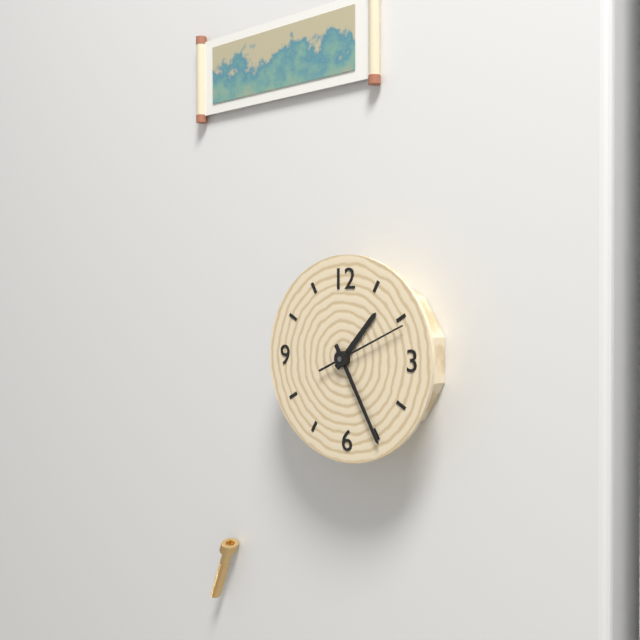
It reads 1h25m11s
